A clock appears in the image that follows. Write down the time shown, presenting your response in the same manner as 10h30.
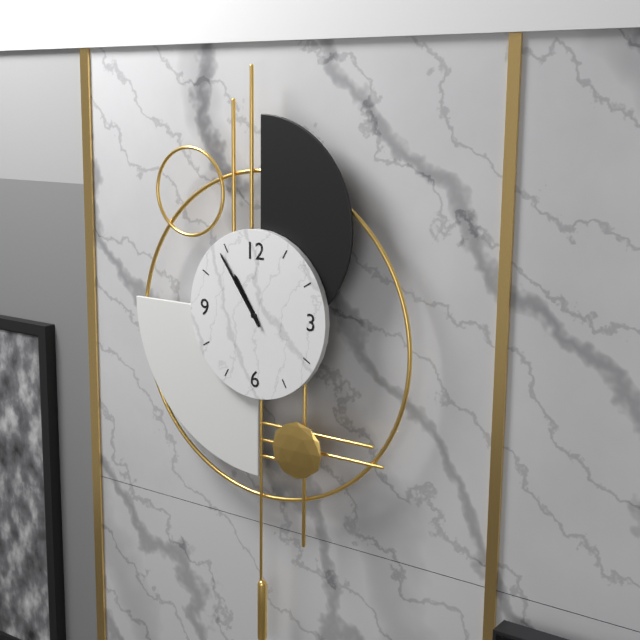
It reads 10h54
